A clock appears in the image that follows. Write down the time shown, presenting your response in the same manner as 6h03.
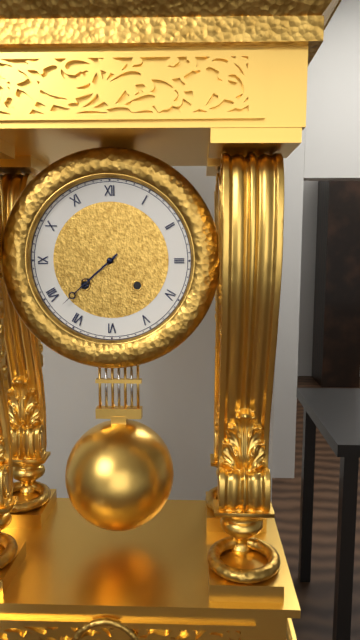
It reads 7h38
